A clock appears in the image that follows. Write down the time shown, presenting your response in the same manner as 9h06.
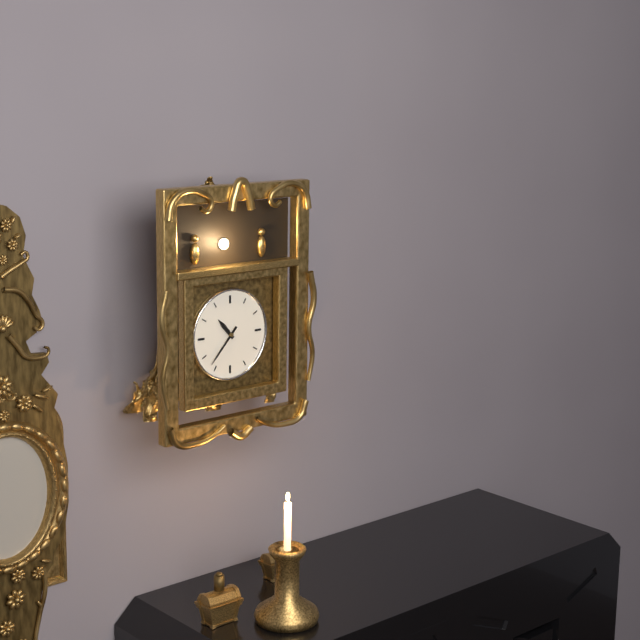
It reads 10h37
